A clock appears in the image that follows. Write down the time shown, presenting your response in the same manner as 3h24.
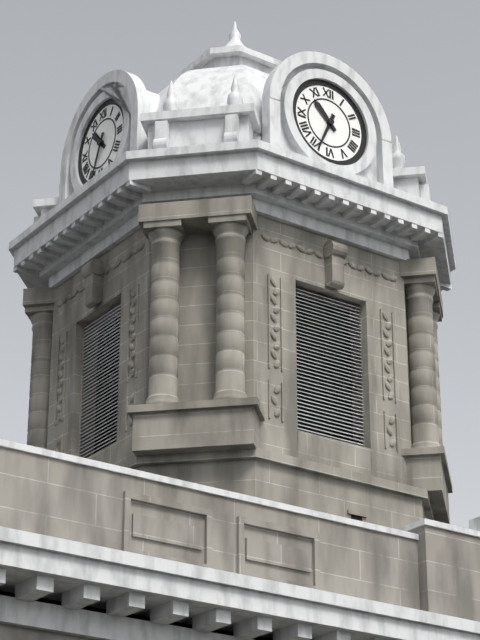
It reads 10h34
